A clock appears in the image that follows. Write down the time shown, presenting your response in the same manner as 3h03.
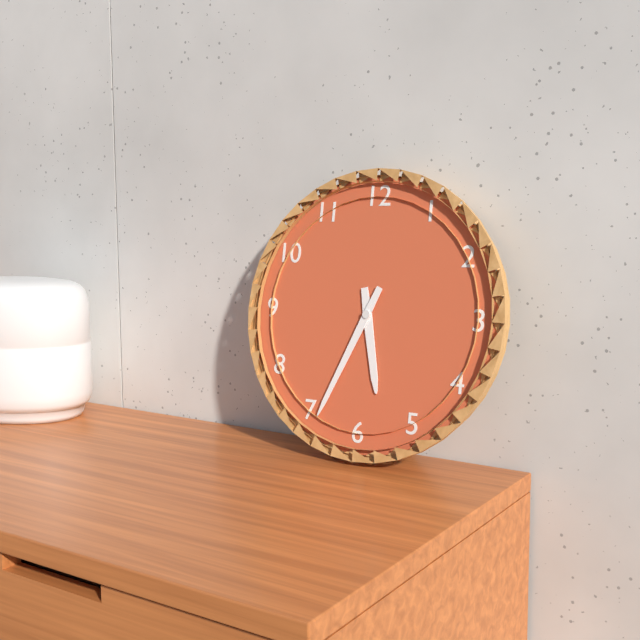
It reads 5h34
